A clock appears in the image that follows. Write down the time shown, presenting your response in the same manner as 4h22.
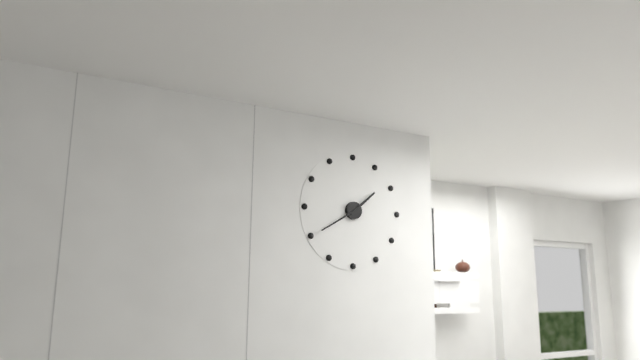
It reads 1h40
